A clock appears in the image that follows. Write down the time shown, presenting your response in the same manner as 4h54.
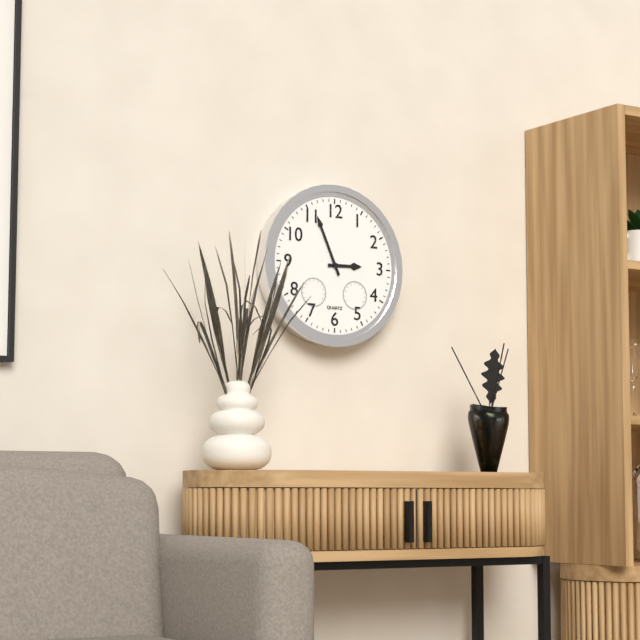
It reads 2h56
